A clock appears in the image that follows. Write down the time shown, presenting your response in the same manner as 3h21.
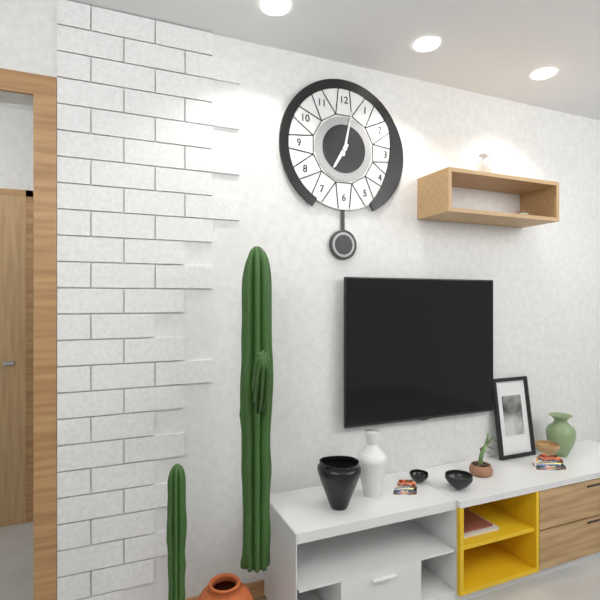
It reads 7h02
